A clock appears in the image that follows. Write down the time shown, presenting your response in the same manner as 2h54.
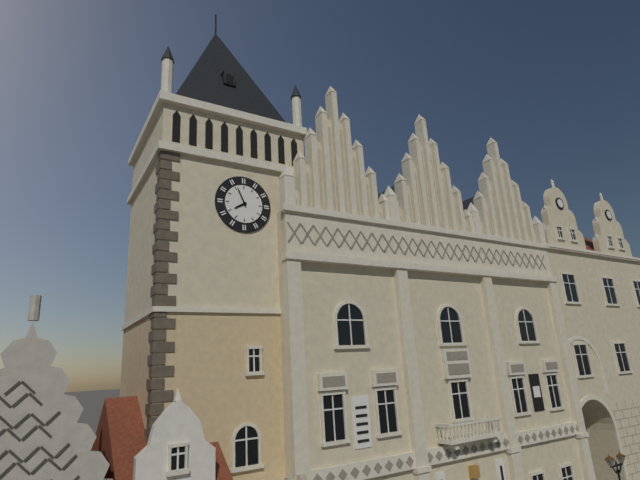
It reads 7h56
